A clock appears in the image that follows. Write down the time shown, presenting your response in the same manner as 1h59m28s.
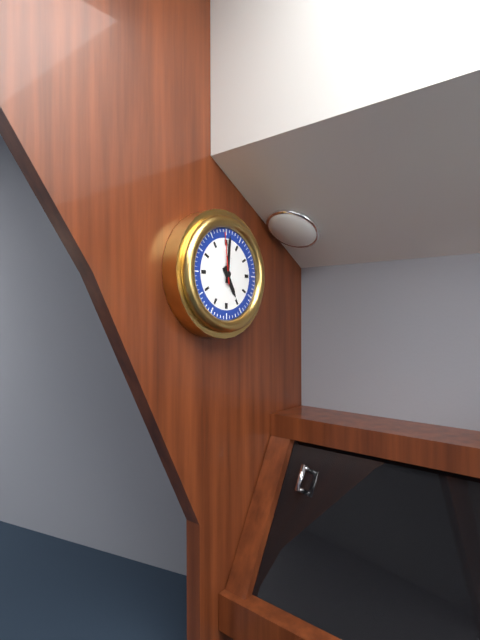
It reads 5h01m59s
